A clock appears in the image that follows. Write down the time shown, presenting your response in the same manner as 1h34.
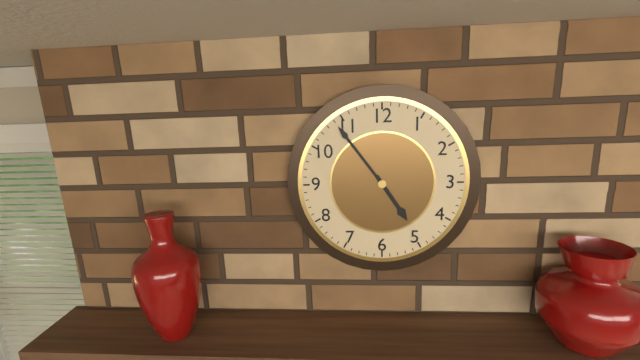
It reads 4h54
